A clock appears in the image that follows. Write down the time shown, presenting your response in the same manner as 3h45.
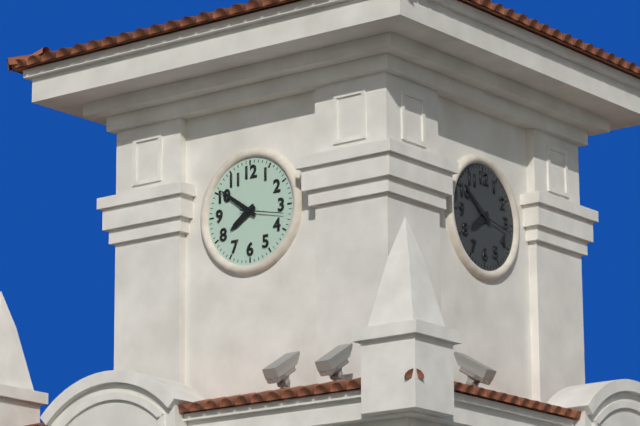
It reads 7h51
